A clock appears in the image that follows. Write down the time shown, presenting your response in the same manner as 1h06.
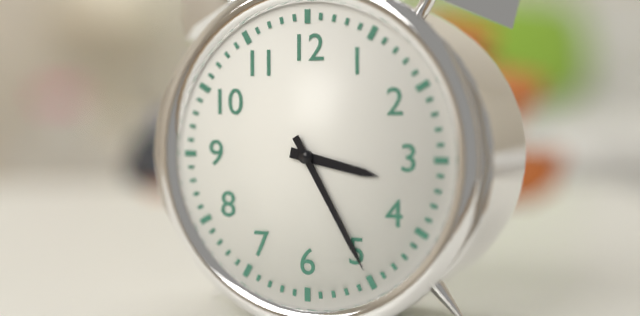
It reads 3h25
